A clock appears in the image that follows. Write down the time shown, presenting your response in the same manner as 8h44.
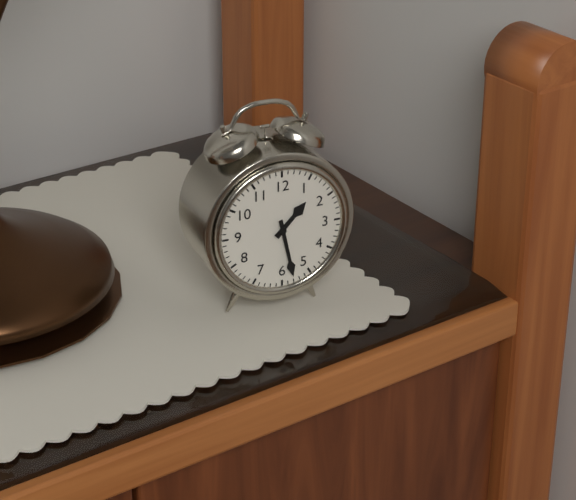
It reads 1h28
